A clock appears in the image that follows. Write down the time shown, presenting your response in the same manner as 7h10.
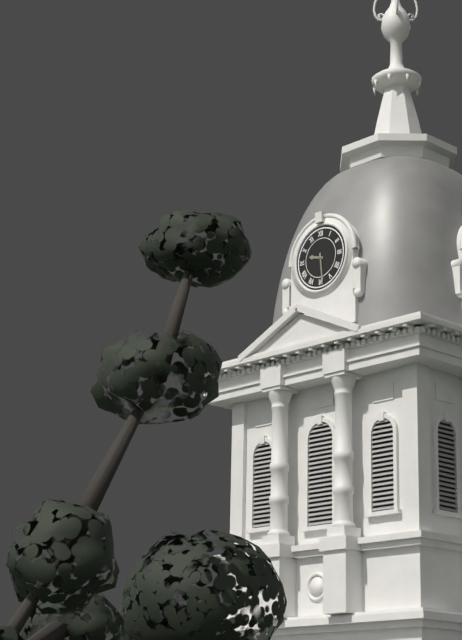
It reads 9h29
